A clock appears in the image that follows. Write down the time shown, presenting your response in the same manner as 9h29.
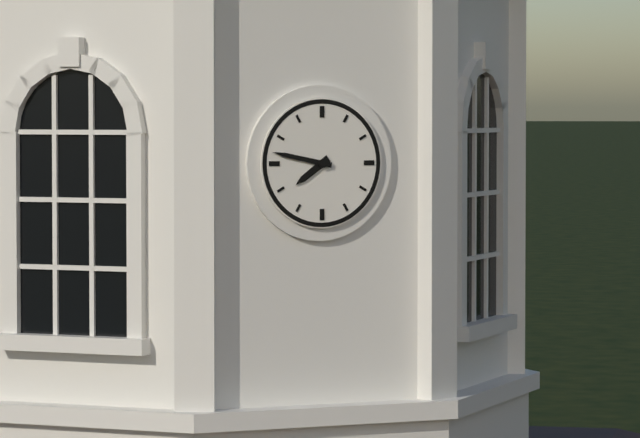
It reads 7h47
